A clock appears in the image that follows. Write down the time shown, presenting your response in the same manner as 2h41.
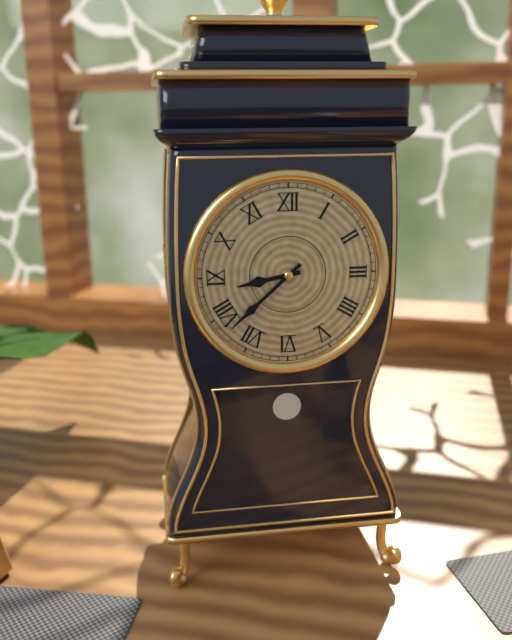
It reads 8h38
